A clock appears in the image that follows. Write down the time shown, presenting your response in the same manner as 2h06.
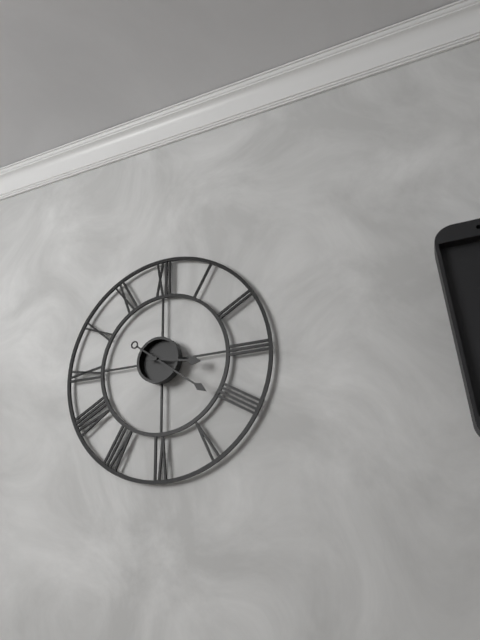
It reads 3h21
